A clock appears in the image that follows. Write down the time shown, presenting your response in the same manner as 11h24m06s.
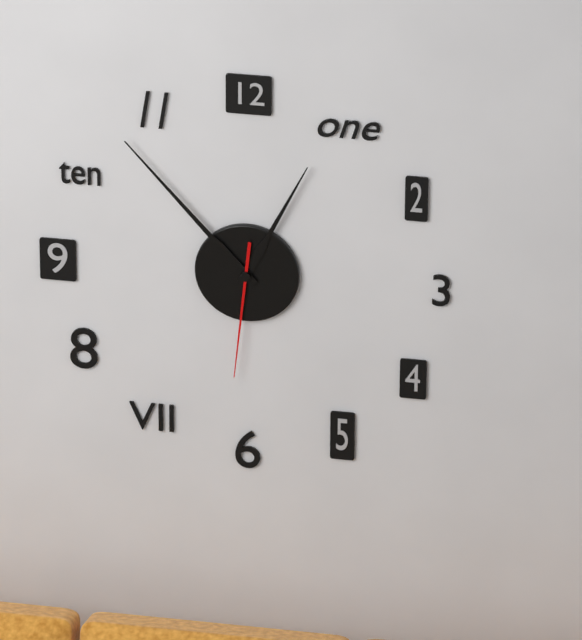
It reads 12h53m31s
